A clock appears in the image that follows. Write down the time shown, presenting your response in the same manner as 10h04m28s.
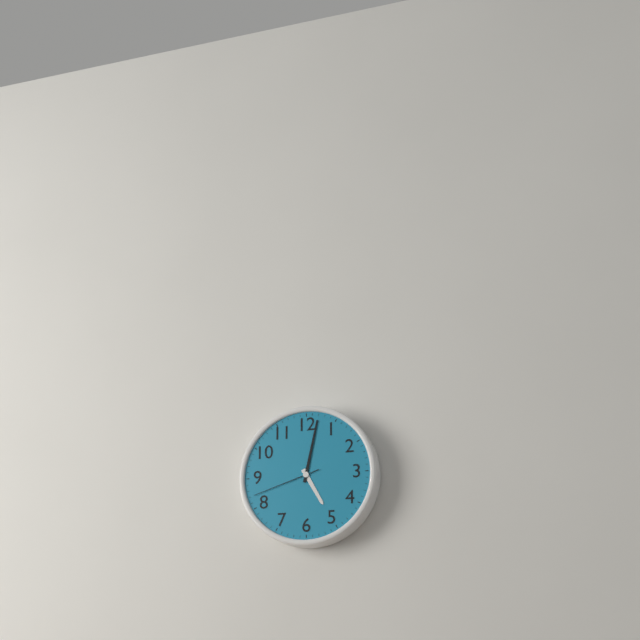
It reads 5h02m42s
